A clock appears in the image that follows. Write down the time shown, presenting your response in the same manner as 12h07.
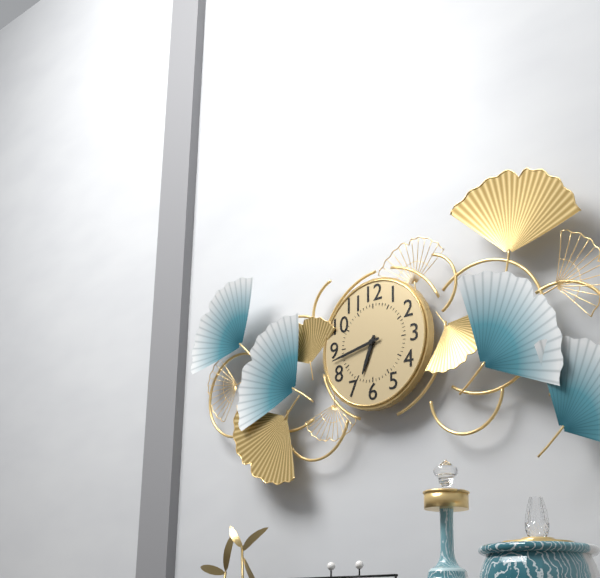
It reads 6h43
